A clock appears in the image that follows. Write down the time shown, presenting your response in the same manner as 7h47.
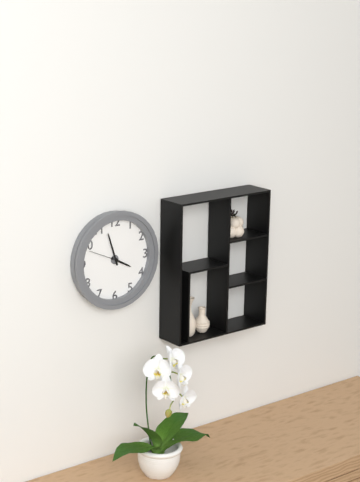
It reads 3h57
